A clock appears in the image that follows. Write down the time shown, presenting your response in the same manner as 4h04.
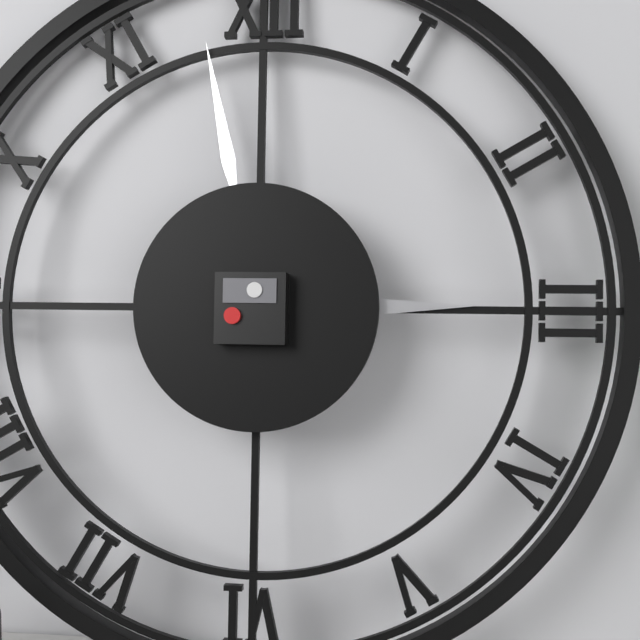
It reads 2h58
